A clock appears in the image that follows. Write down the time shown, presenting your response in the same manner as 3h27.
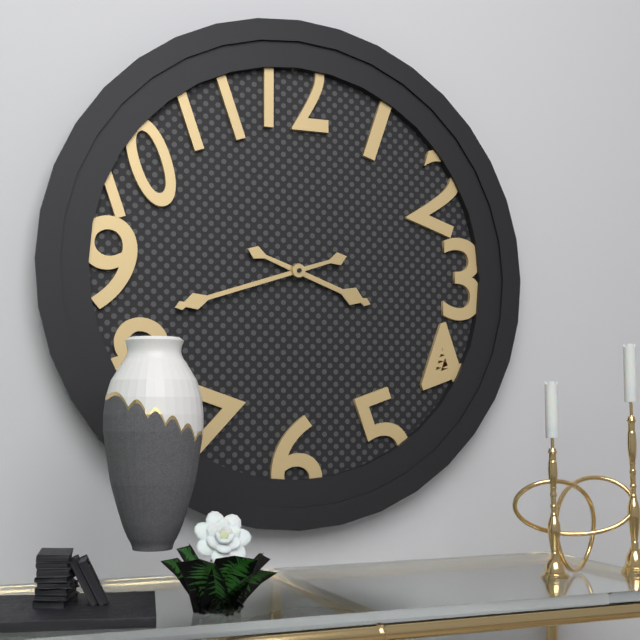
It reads 3h42
